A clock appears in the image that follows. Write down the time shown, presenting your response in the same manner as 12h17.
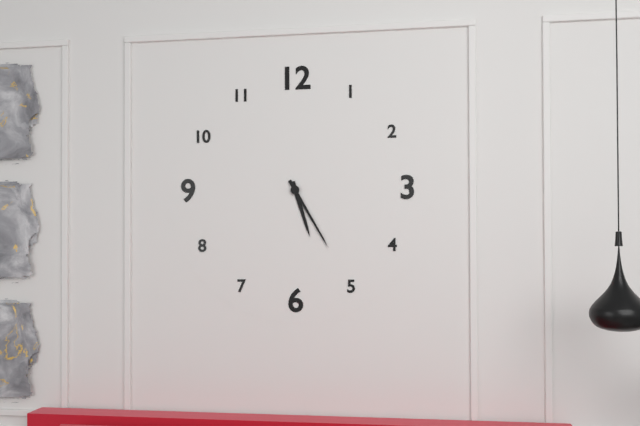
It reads 5h25
